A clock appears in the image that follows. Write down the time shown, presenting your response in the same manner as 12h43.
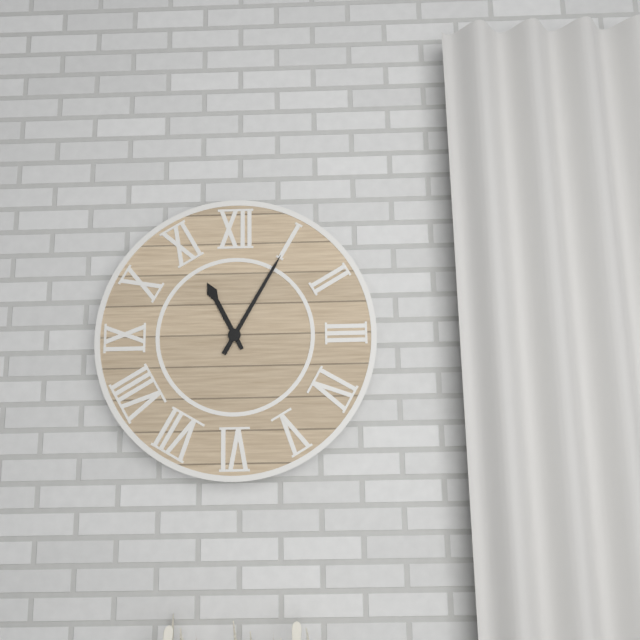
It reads 11h05
